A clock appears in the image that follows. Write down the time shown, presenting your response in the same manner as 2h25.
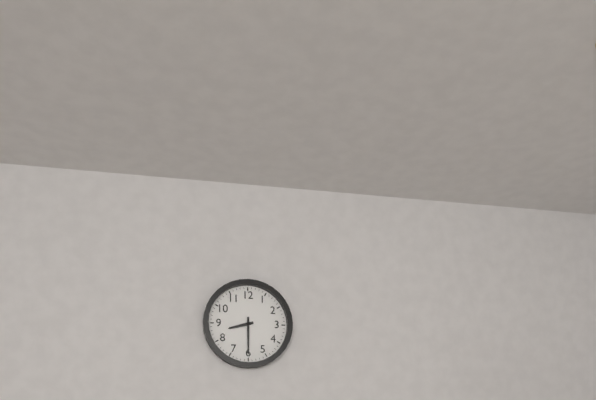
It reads 8h30
